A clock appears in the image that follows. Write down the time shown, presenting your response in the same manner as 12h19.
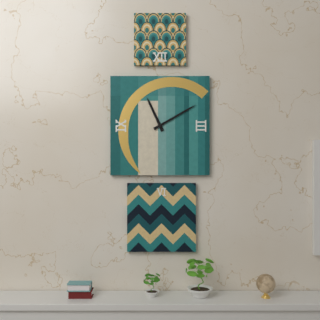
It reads 11h10
